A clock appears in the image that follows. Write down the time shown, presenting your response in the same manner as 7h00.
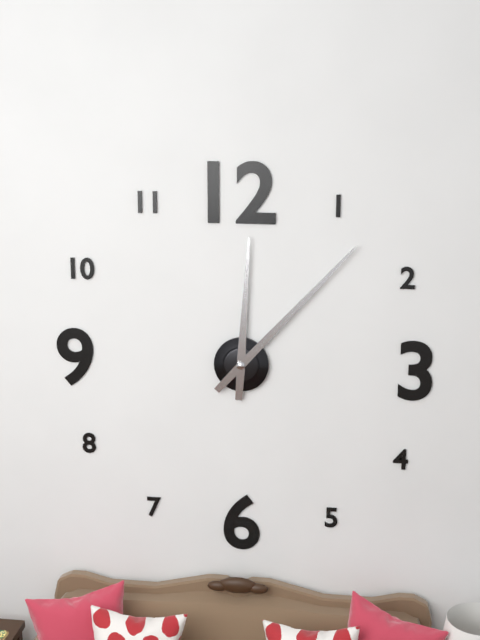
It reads 12h07
